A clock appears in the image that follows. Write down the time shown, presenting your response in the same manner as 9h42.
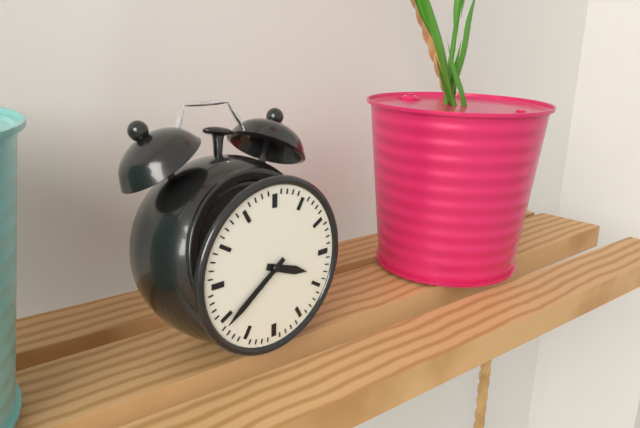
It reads 3h39
